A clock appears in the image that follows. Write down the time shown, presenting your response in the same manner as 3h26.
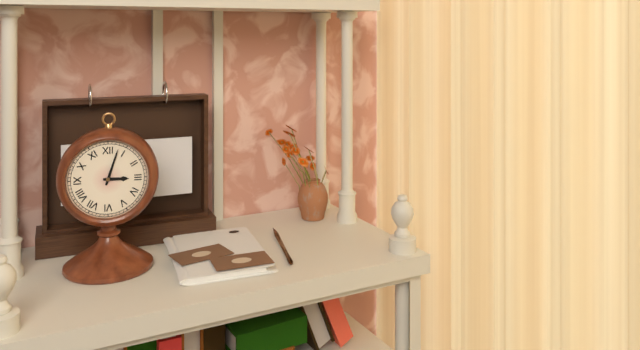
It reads 3h03
